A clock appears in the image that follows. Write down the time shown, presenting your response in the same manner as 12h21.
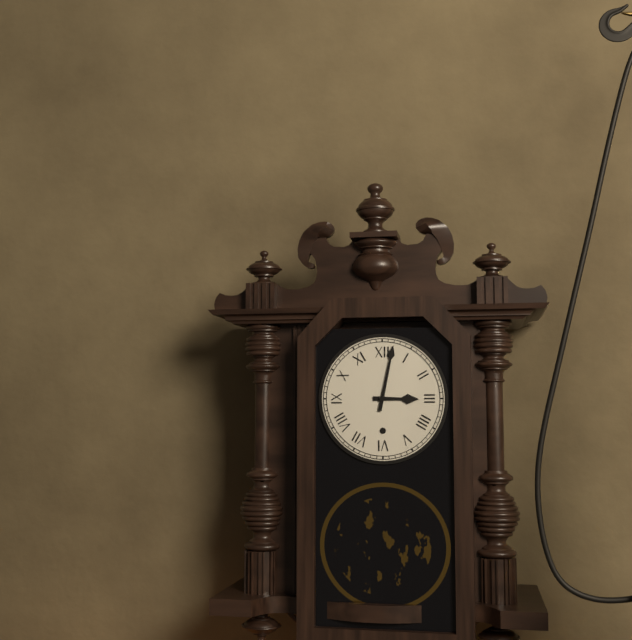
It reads 3h02
